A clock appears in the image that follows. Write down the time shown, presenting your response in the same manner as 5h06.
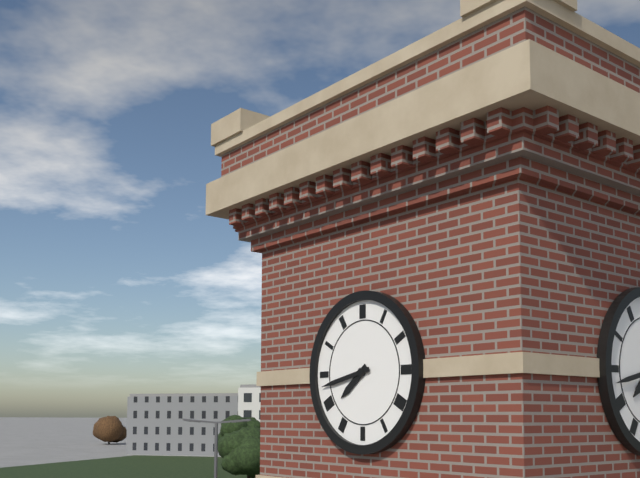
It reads 7h43
